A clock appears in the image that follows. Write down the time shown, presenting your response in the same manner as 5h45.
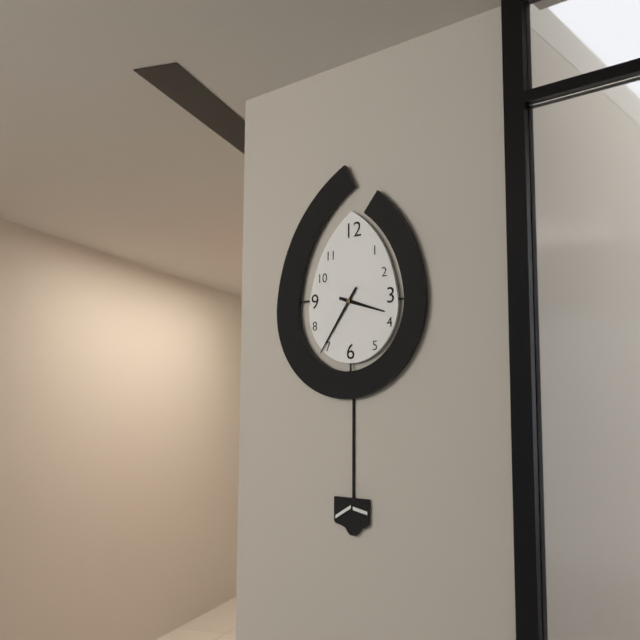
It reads 3h36
